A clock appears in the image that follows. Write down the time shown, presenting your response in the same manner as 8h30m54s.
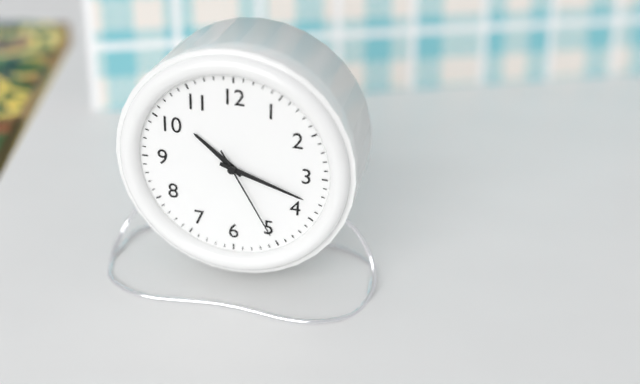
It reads 10h18m25s
